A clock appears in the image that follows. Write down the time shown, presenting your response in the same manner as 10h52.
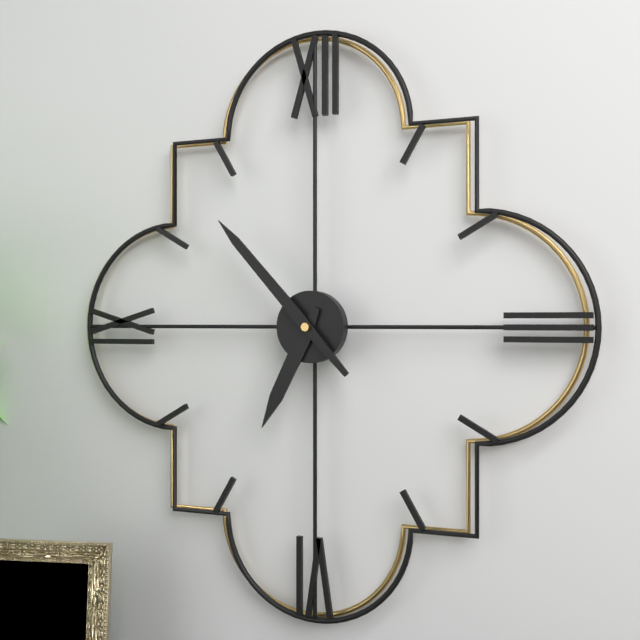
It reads 6h53
